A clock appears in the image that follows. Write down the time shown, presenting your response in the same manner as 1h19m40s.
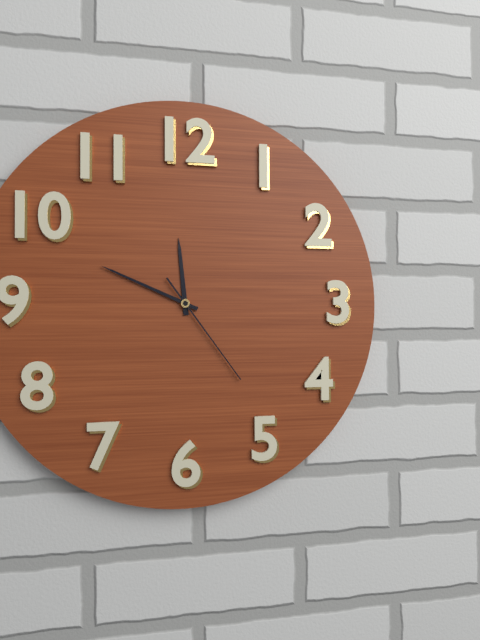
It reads 11h49m24s
